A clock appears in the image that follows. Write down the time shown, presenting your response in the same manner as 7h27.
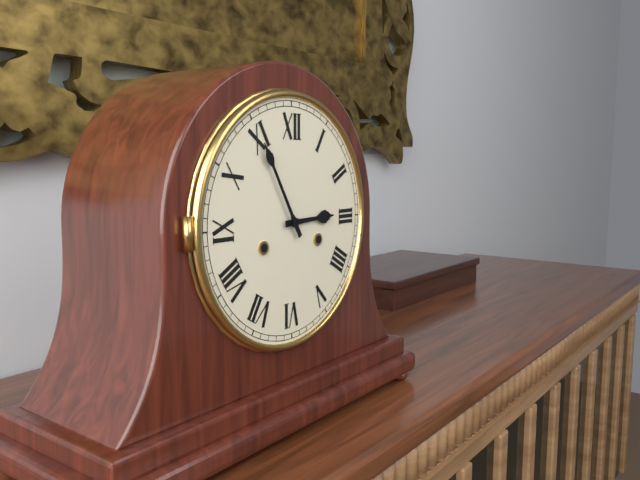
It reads 2h55
